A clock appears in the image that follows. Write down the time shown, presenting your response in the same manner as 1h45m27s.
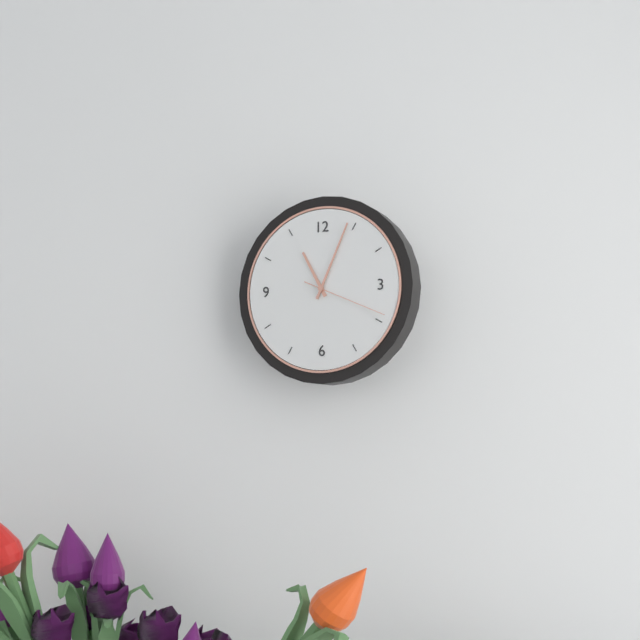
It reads 11h04m19s
